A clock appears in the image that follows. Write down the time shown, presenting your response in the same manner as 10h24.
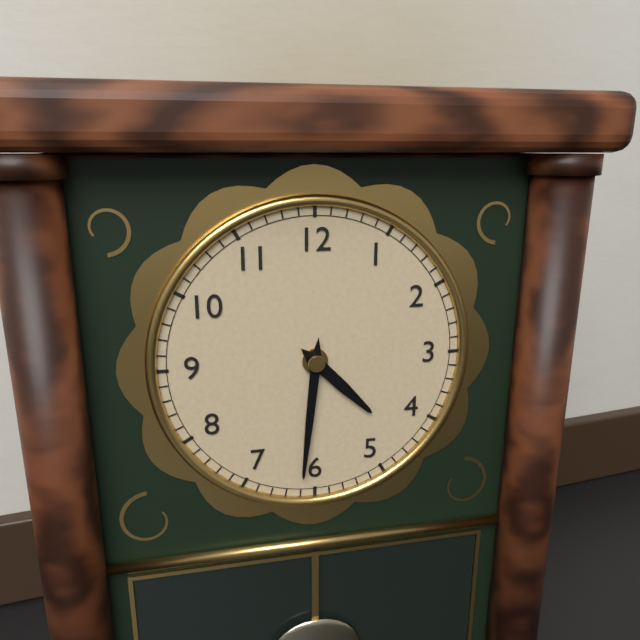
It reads 4h31
